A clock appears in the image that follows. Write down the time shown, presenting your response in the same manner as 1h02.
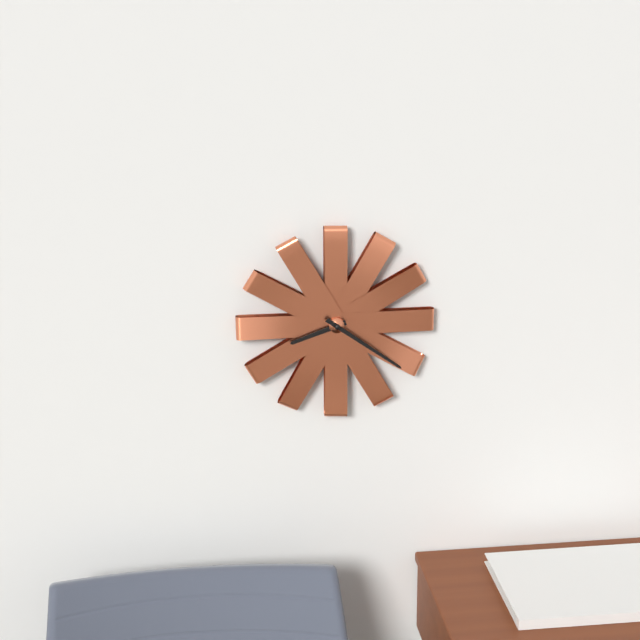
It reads 8h21
